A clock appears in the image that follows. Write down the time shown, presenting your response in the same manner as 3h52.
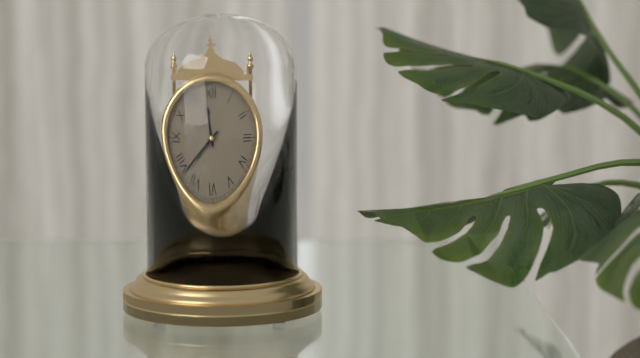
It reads 11h38
